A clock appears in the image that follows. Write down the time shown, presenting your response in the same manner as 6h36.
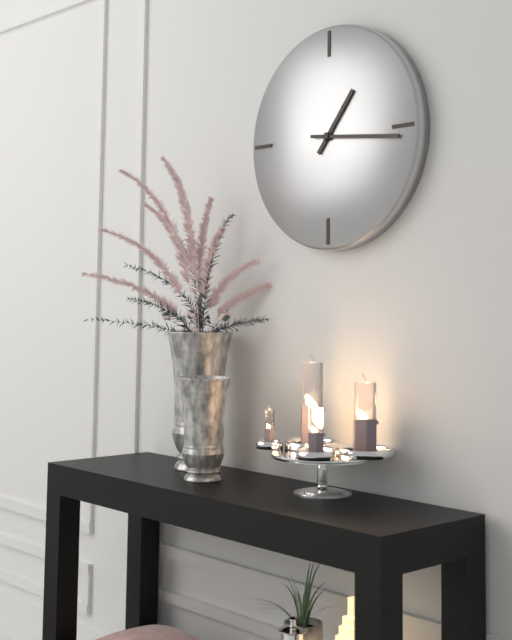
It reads 1h16
